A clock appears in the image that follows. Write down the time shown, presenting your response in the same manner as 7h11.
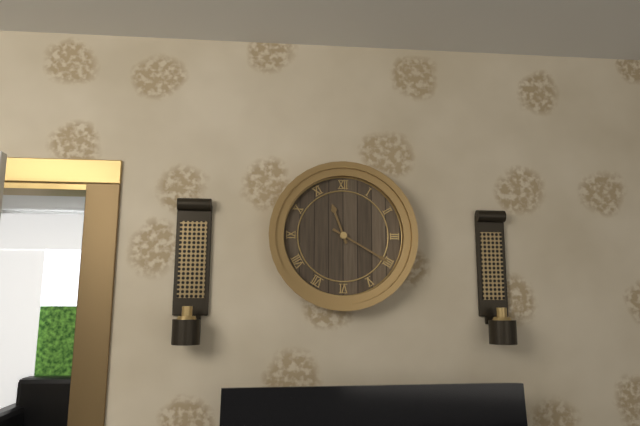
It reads 11h20
